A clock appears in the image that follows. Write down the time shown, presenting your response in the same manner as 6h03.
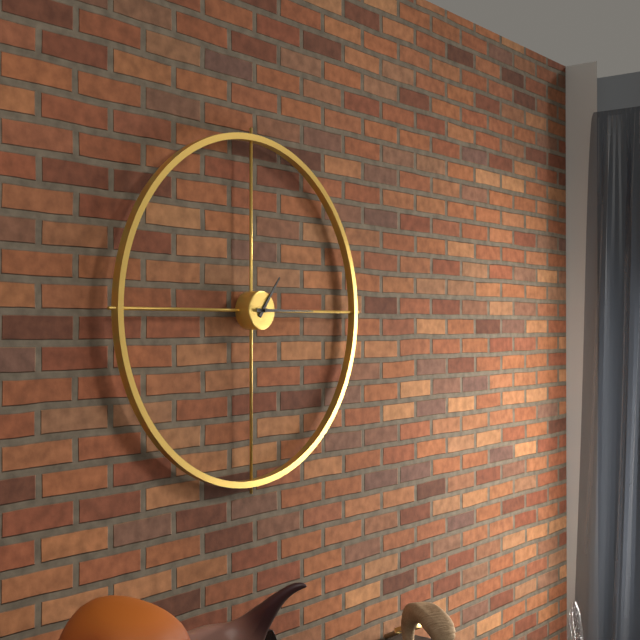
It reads 1h15
